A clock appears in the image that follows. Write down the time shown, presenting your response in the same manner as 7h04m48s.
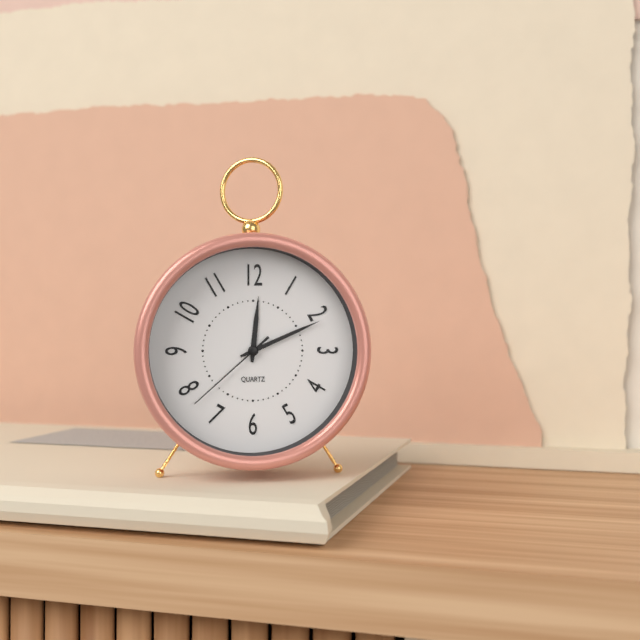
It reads 12h11m38s
